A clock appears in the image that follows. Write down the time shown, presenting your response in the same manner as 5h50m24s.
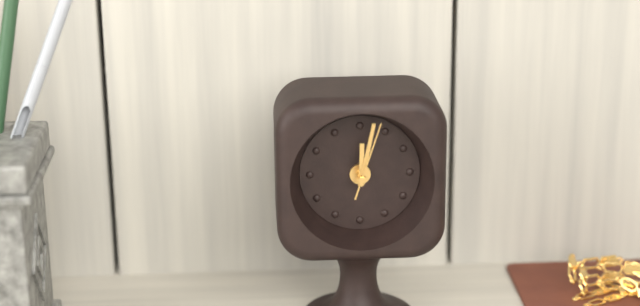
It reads 12h02m03s
